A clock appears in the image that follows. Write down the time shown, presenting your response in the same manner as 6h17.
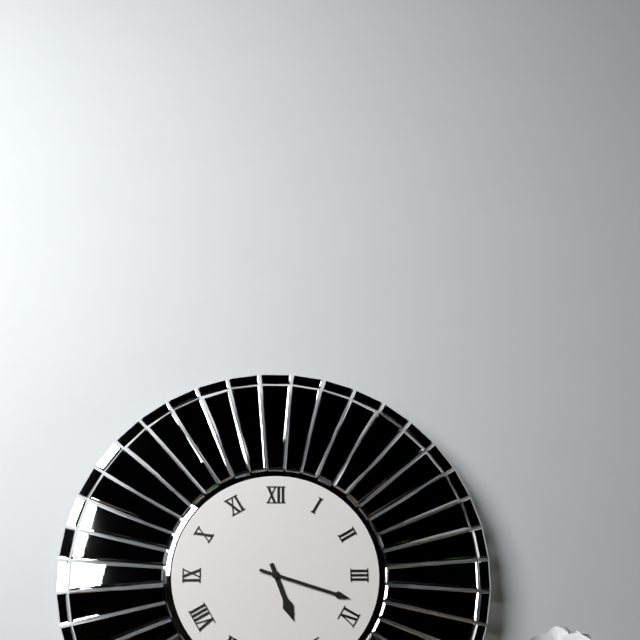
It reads 5h18
